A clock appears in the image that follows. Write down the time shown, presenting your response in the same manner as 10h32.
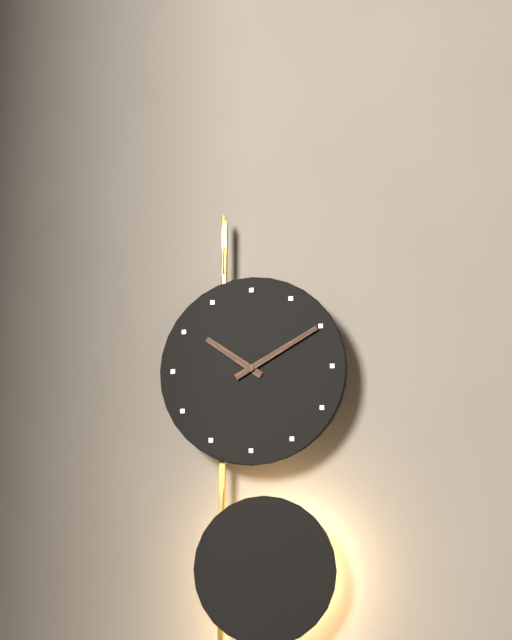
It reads 10h10
